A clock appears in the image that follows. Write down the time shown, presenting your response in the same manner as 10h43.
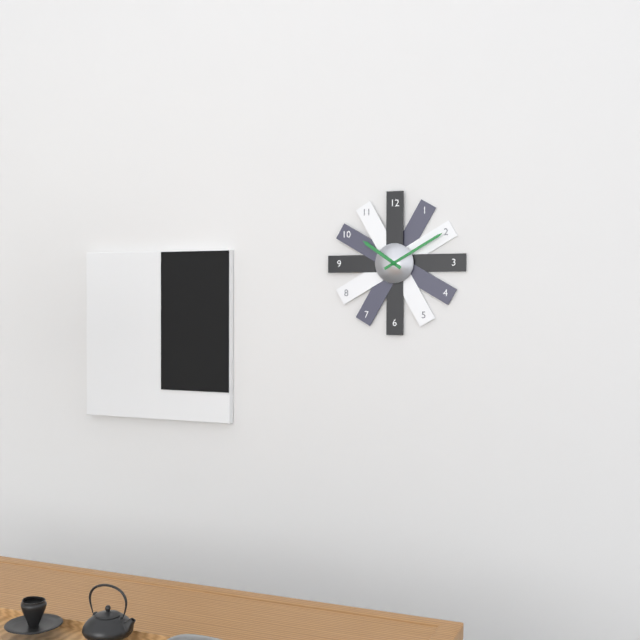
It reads 10h10
